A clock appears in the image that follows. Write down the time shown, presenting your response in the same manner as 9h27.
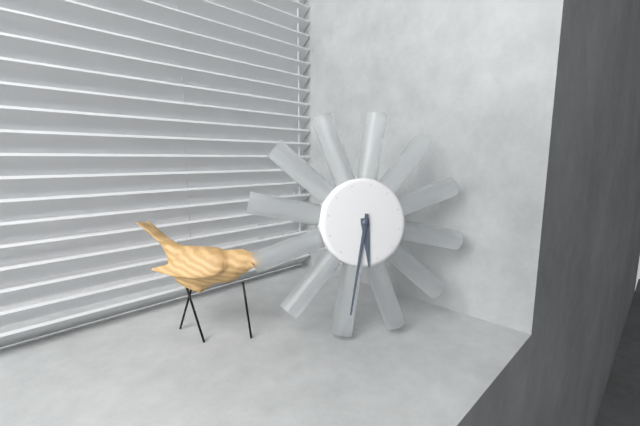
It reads 5h30
